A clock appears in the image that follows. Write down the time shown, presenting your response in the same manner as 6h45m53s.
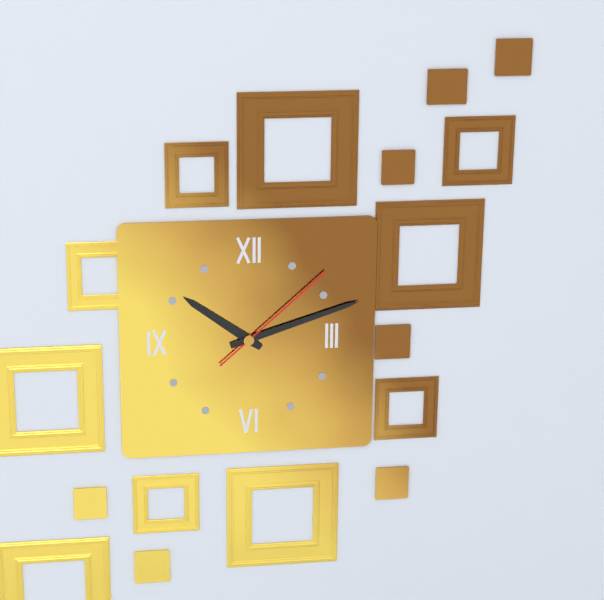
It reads 10h12m08s
